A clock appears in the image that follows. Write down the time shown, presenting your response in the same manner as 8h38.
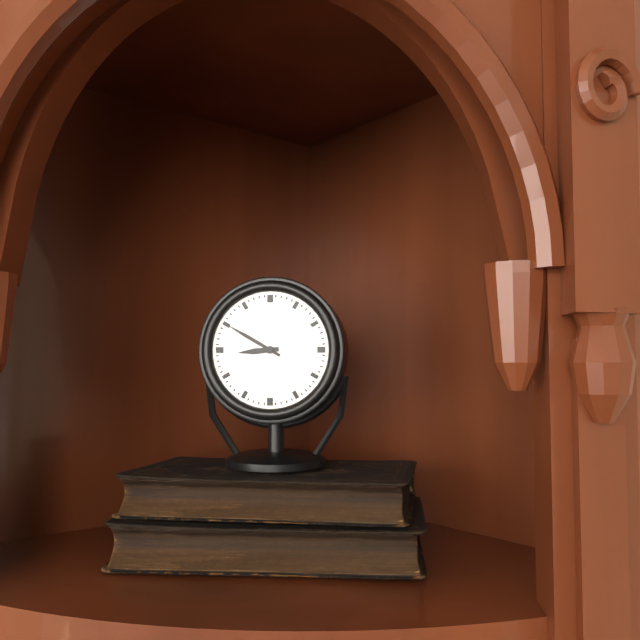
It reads 8h50
